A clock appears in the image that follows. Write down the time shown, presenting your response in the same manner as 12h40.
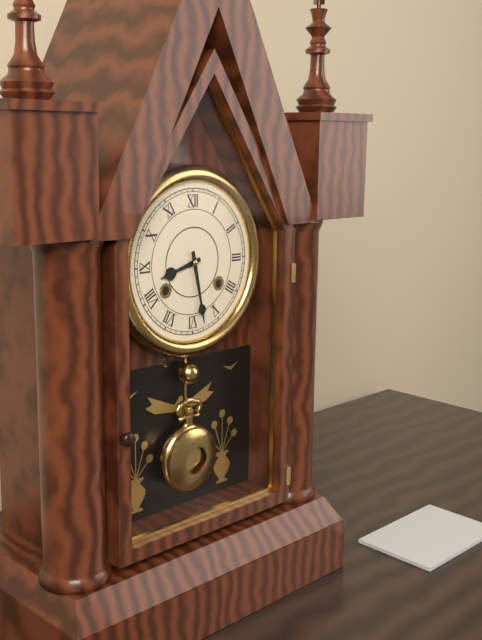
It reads 8h28
